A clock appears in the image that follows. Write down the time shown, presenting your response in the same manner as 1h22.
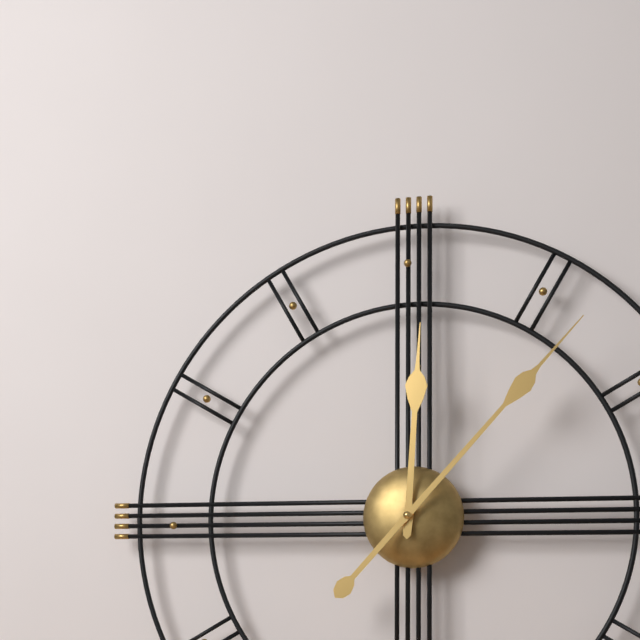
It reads 12h07
